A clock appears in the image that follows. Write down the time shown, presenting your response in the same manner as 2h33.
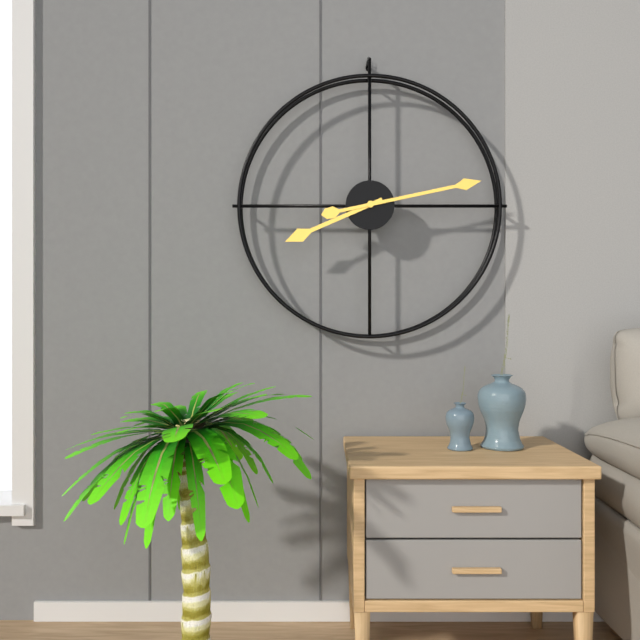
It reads 8h13
